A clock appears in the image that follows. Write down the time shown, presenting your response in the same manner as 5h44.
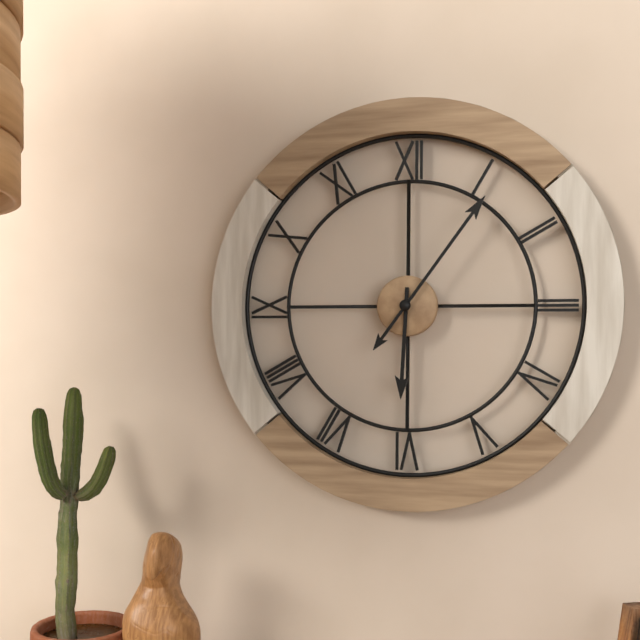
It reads 6h06
